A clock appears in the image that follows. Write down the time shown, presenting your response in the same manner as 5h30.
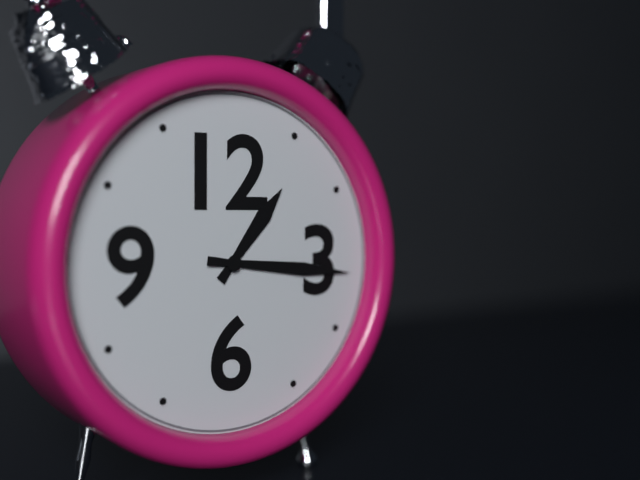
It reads 1h16
